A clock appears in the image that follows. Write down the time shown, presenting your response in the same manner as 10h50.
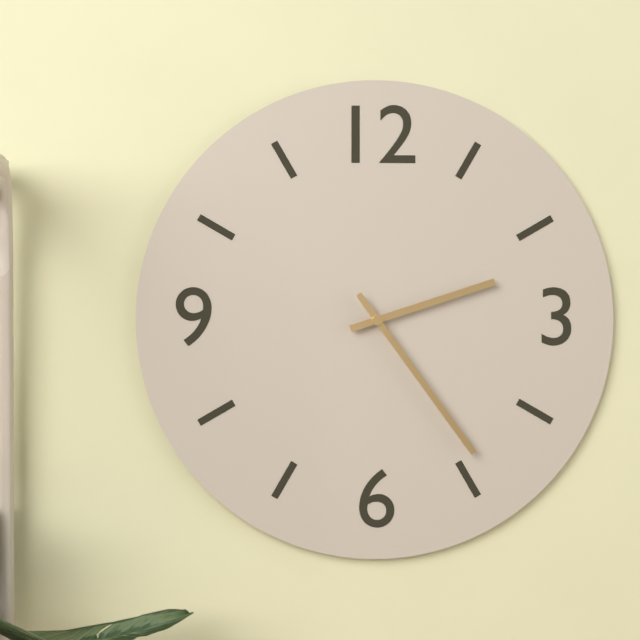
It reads 2h24
